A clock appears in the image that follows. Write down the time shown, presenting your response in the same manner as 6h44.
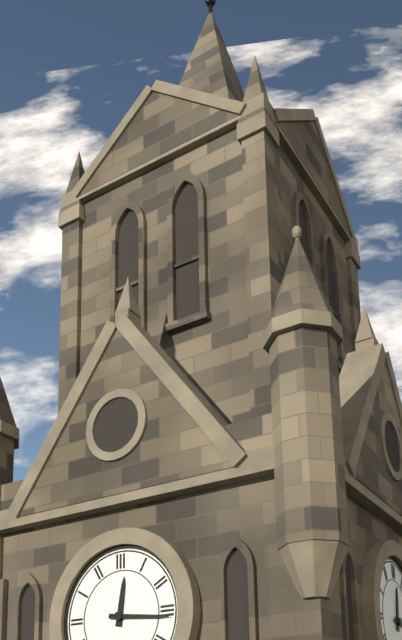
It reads 12h16
